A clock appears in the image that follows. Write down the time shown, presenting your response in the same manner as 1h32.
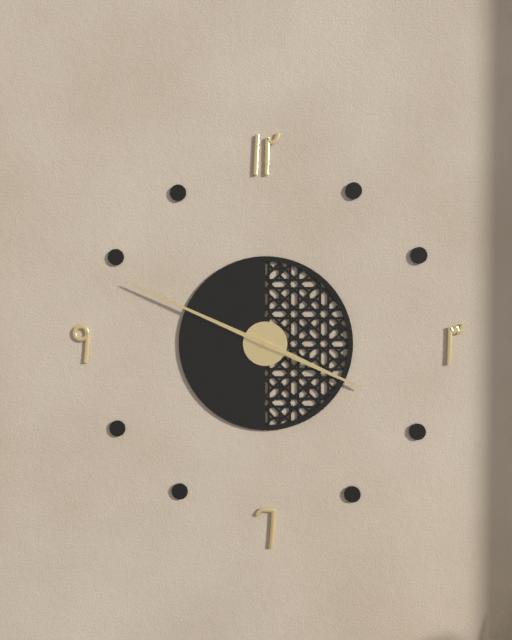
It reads 3h49
